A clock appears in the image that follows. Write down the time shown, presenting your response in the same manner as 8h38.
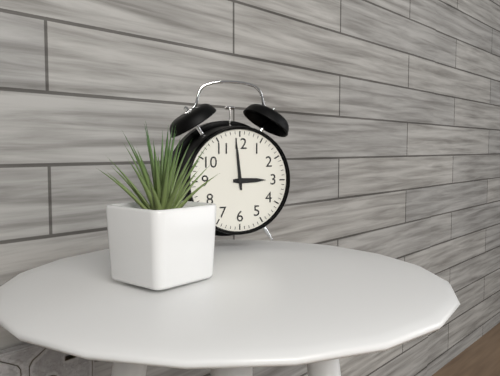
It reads 2h59
